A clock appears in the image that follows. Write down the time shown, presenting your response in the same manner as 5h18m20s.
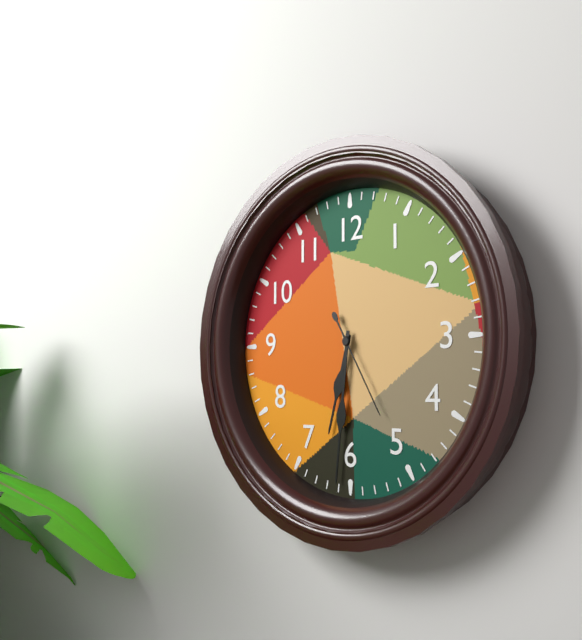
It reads 6h31m25s
